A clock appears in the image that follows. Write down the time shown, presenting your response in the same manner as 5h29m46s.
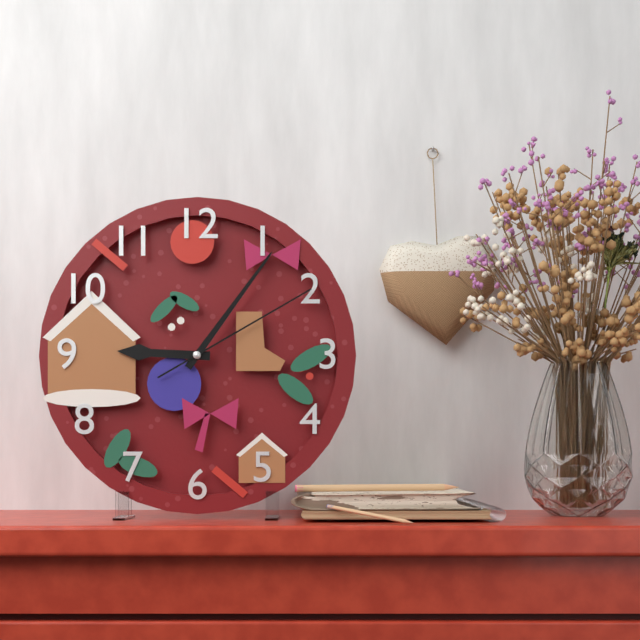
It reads 9h06m10s
